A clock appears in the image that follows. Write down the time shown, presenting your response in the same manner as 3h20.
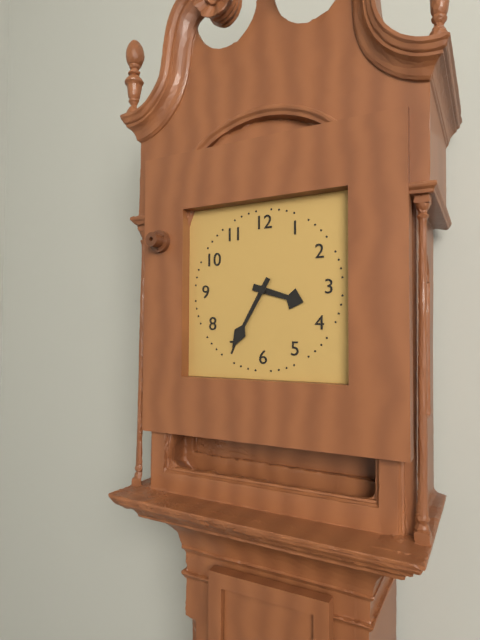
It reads 3h35
